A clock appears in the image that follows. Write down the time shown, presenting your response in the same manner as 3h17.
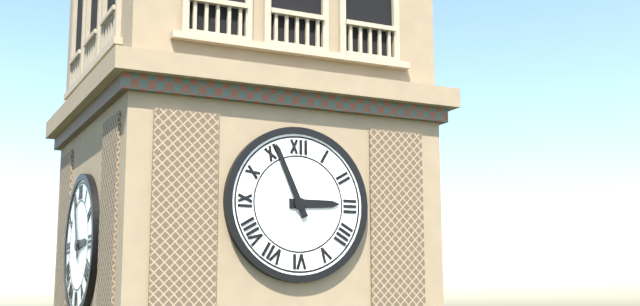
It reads 2h56
